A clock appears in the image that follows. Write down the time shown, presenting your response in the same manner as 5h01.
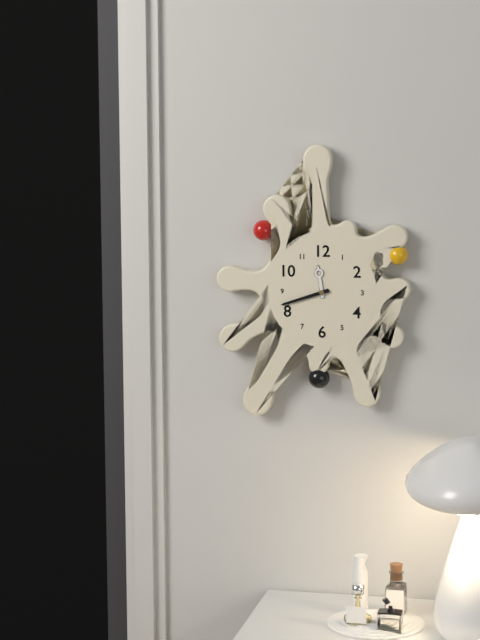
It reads 11h42
